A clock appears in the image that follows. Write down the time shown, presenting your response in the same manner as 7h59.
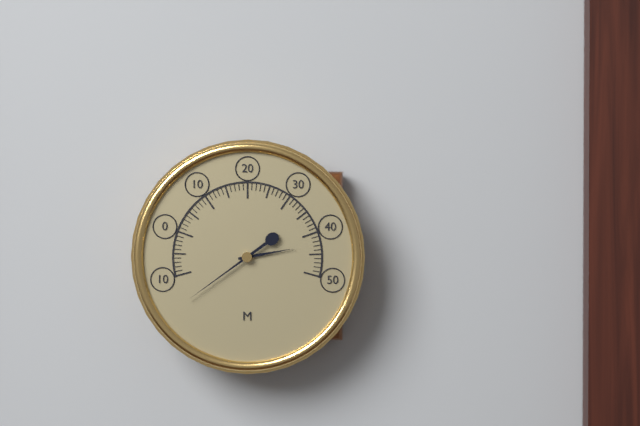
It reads 2h39
